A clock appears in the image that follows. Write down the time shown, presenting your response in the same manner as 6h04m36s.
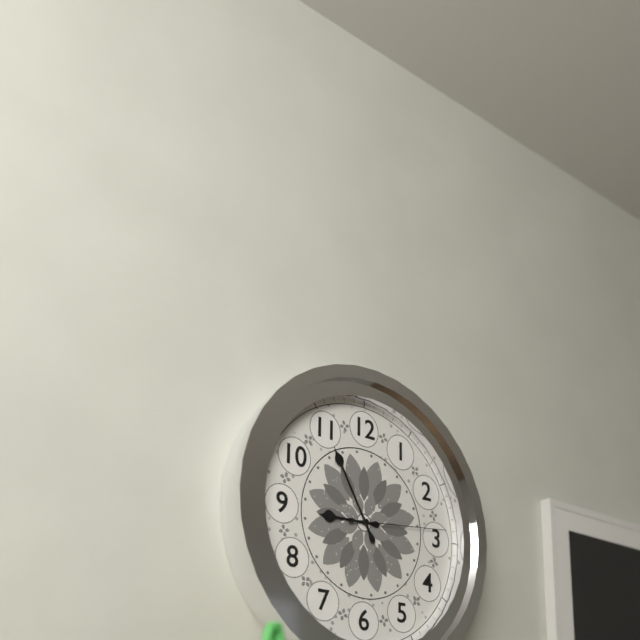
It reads 8h55m14s
